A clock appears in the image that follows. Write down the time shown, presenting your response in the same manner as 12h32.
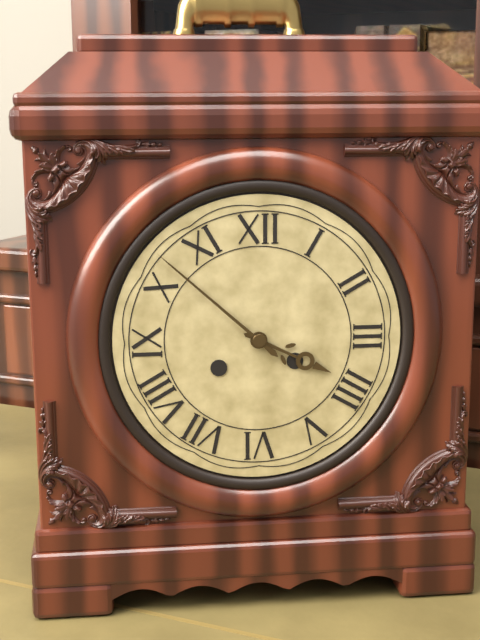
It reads 3h52
